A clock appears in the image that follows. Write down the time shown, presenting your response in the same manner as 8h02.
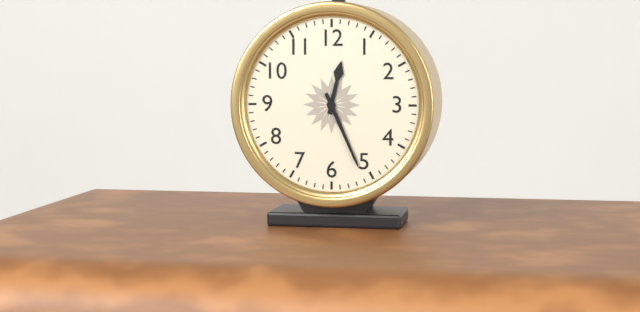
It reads 12h26
